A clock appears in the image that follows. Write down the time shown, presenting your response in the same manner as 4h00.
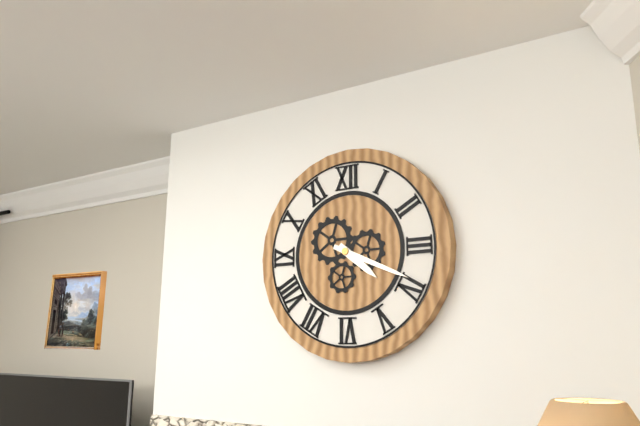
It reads 4h19
